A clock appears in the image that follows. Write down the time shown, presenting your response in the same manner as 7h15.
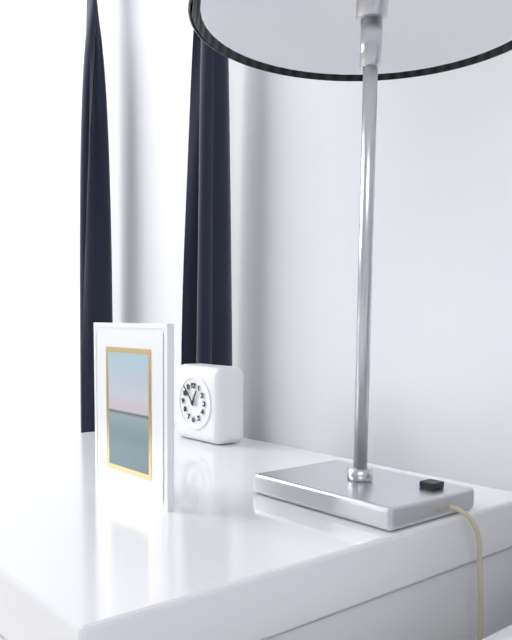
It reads 12h53
